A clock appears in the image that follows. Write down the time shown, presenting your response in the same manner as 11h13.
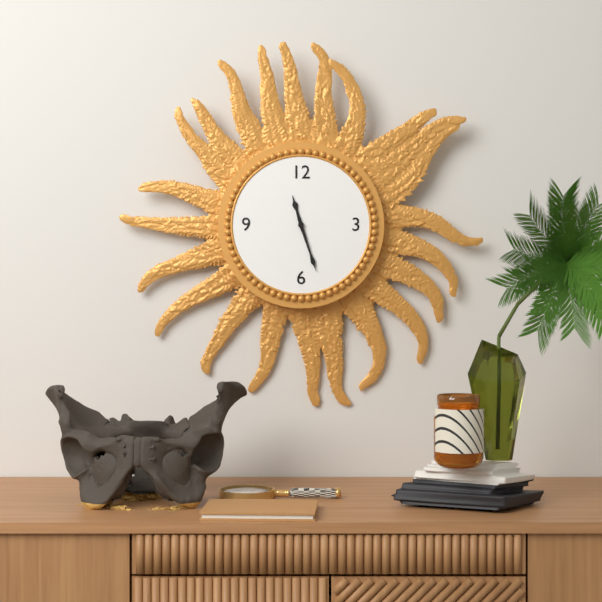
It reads 11h27
